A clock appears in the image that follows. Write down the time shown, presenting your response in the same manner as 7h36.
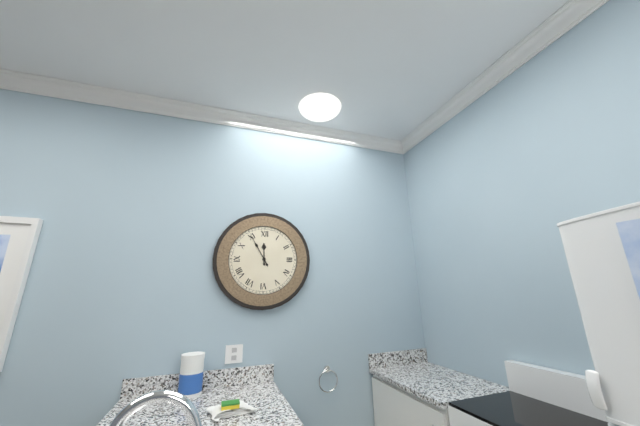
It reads 11h55
